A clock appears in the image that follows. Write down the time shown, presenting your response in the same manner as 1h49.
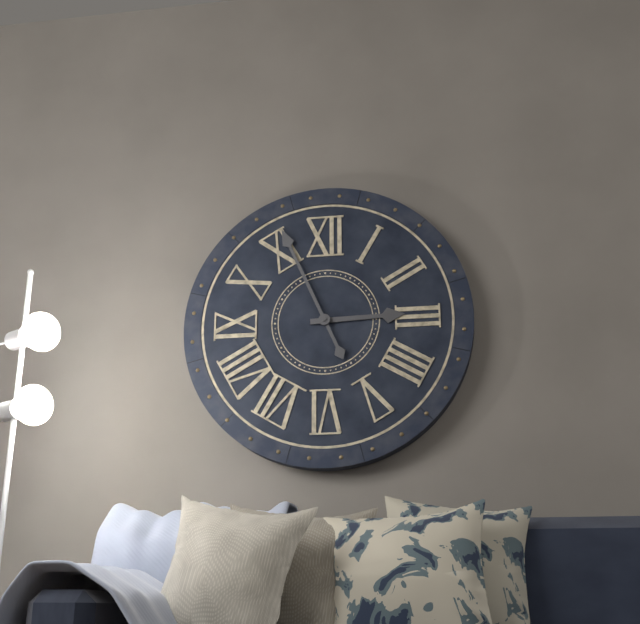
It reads 2h56
